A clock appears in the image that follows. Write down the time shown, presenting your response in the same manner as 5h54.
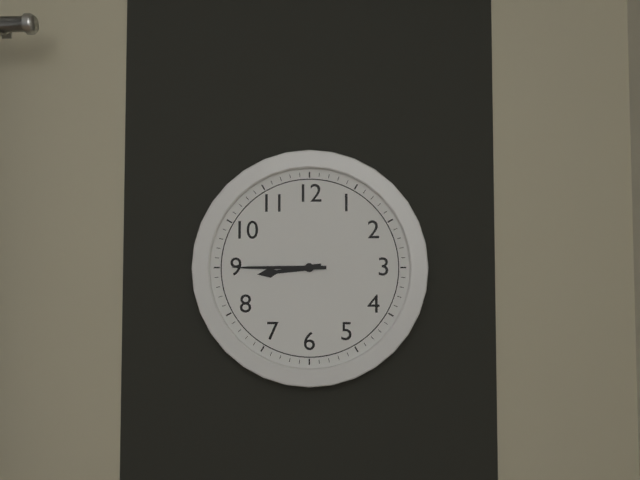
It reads 8h45
